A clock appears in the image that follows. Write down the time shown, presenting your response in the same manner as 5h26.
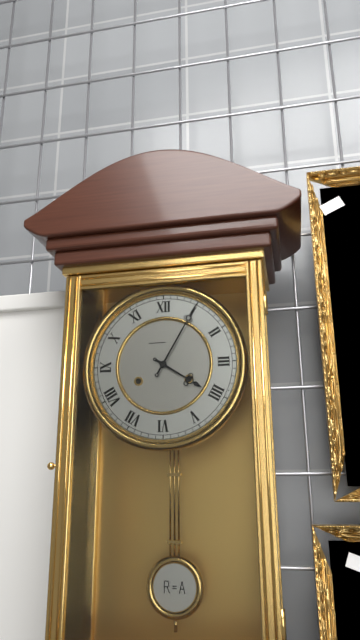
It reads 4h05
